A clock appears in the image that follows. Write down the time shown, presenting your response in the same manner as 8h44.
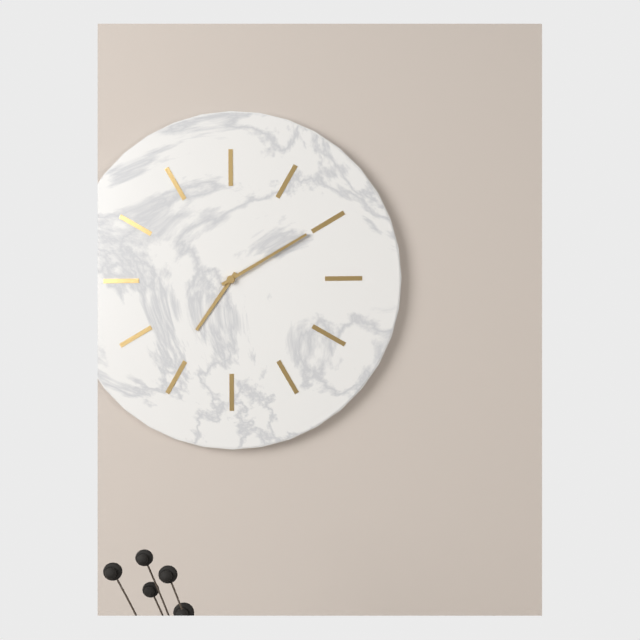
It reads 7h10
